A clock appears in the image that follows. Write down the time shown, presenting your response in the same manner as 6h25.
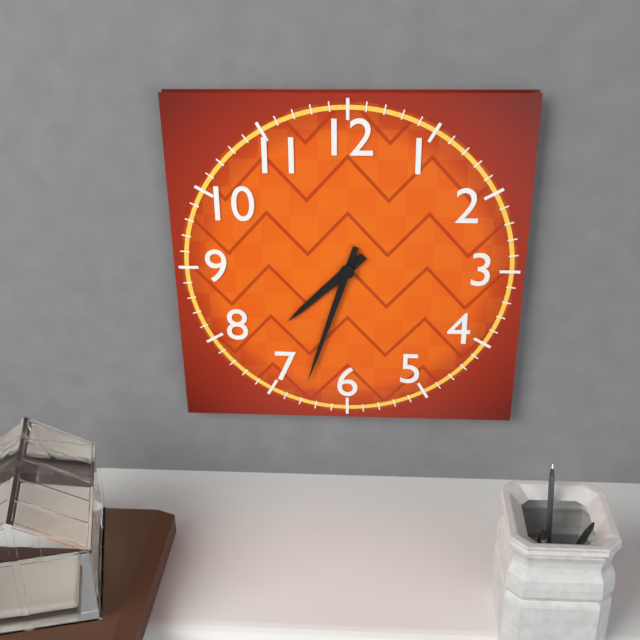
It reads 7h33
